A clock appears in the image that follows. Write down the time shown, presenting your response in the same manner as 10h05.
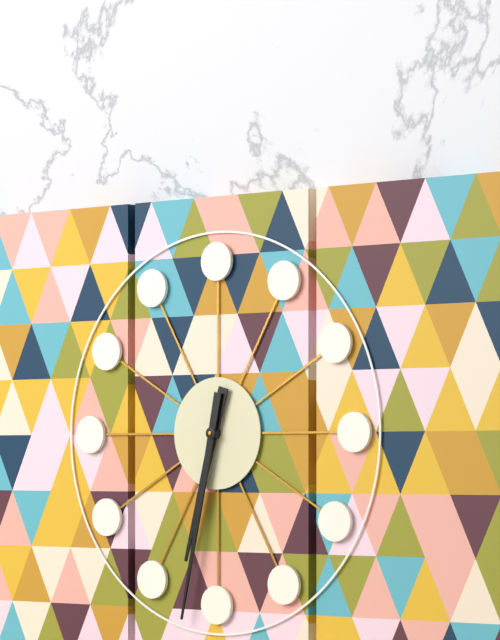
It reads 6h32
